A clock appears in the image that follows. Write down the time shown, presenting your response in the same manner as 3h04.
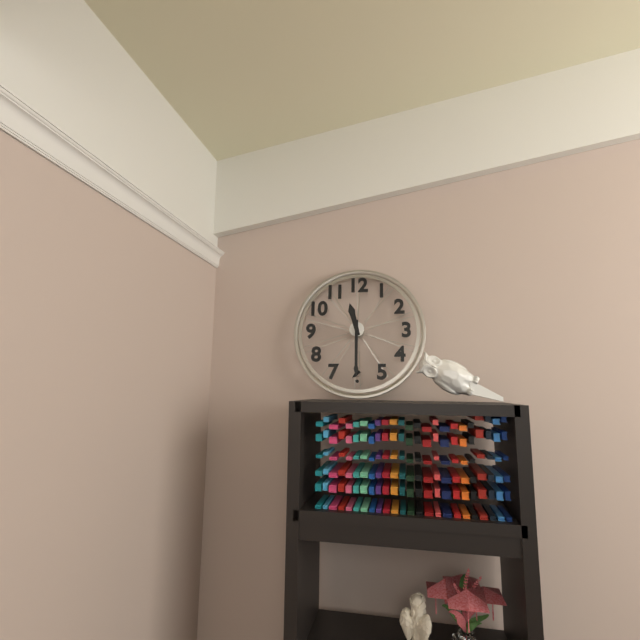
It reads 11h30
